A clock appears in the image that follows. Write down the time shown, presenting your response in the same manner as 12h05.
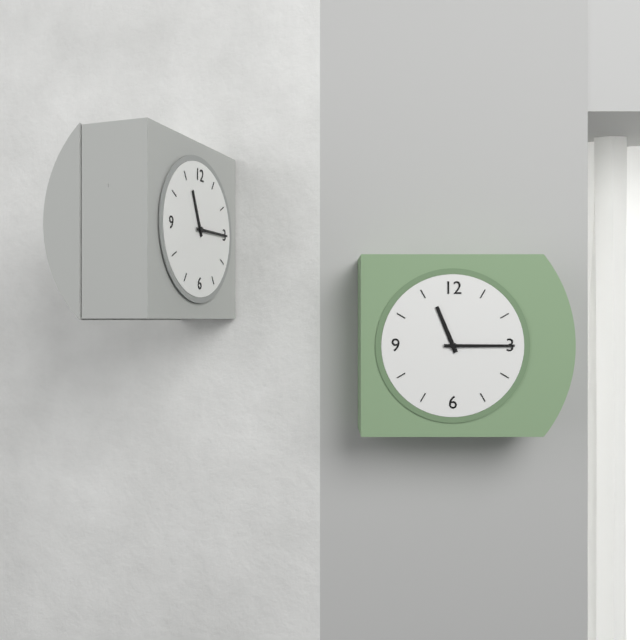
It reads 11h15
